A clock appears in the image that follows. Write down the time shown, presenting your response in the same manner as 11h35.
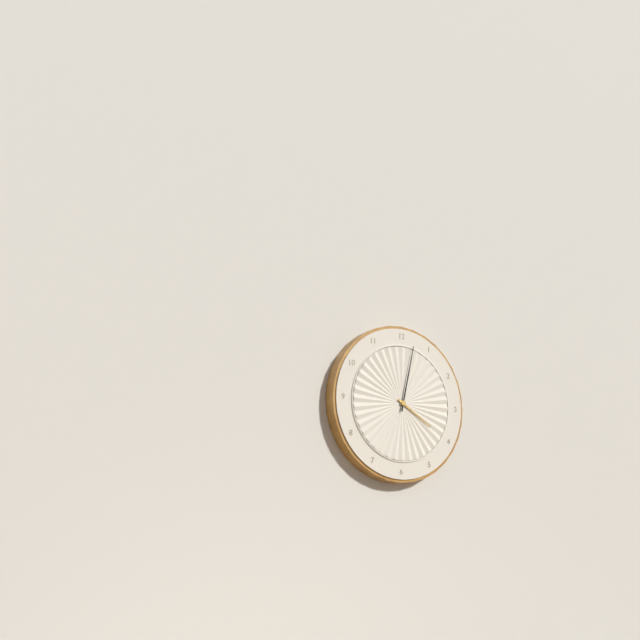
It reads 4h02
